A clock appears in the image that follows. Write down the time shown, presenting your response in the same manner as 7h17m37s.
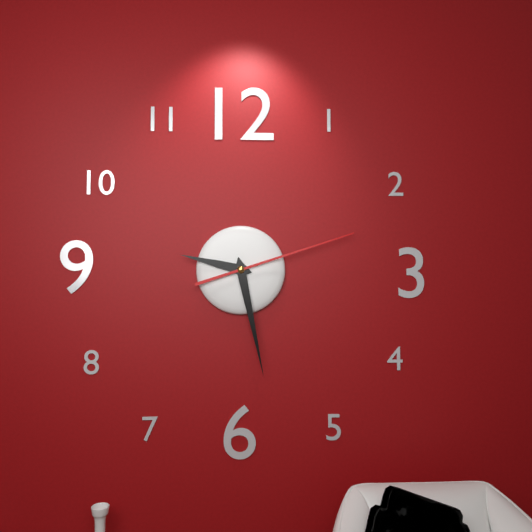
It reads 9h28m12s
